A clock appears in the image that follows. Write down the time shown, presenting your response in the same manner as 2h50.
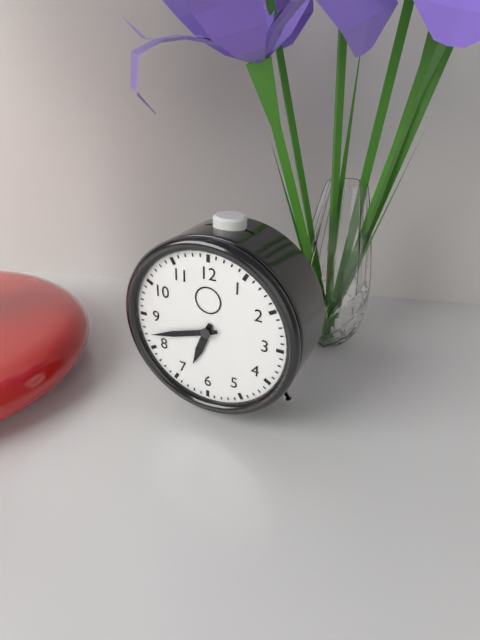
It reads 6h42
